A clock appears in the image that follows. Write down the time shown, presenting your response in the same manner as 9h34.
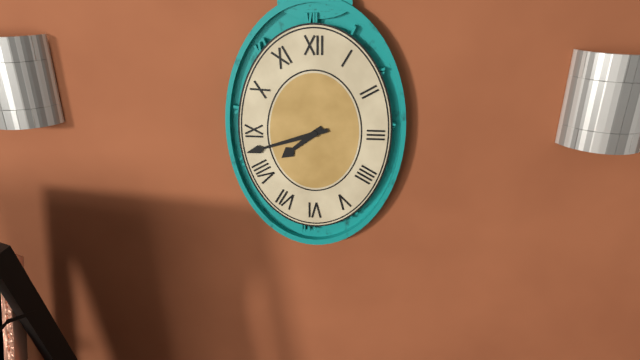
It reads 7h42
